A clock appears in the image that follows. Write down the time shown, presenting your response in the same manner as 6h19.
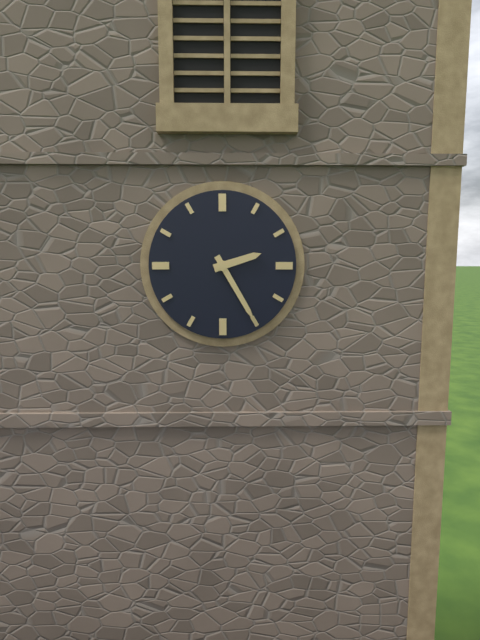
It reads 2h25
